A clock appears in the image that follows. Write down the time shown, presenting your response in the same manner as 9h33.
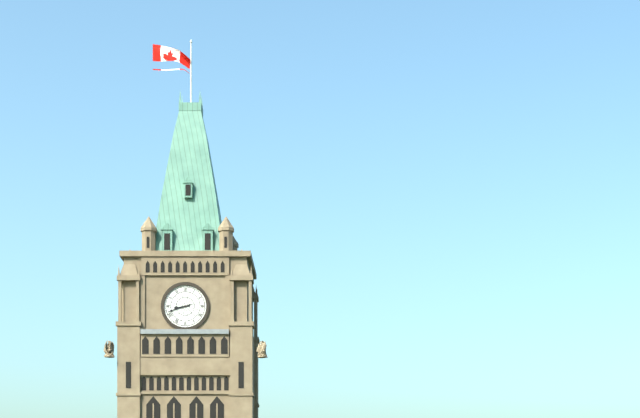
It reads 8h42
